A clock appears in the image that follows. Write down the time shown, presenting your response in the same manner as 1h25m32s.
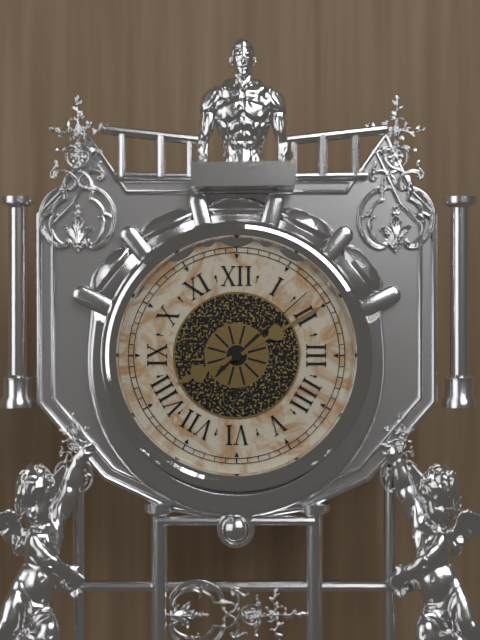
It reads 8h10m08s
